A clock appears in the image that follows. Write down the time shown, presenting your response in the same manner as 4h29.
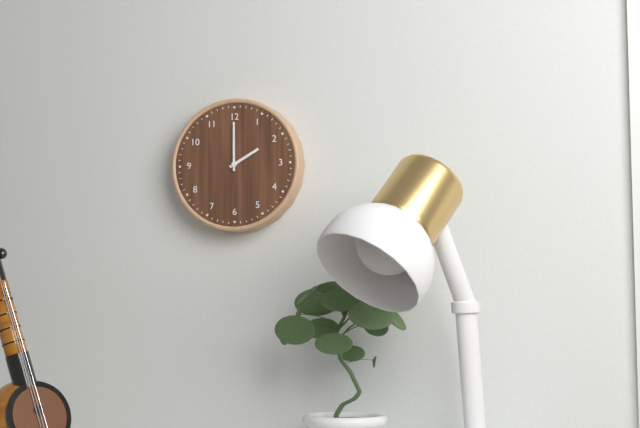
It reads 2h00
